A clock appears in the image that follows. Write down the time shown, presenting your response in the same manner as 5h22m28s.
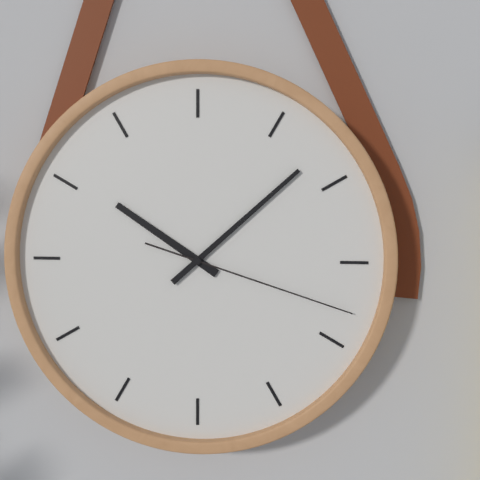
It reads 10h08m18s
